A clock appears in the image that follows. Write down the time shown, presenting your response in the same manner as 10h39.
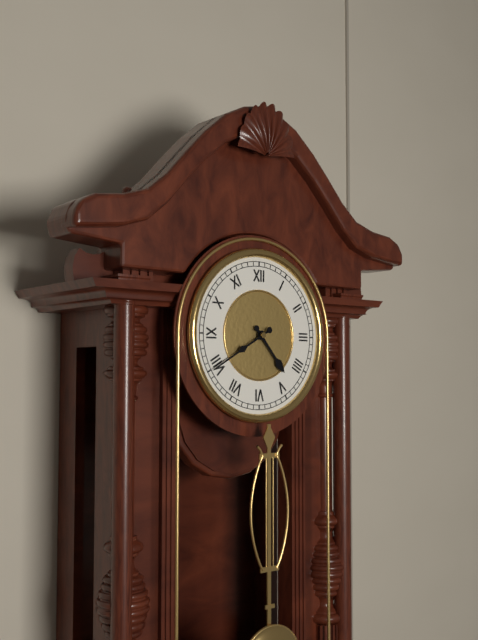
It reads 4h40
